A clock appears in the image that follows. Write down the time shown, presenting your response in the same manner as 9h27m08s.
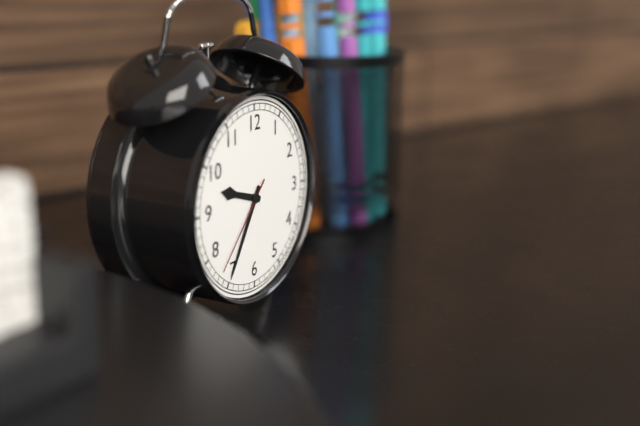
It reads 9h35m37s
